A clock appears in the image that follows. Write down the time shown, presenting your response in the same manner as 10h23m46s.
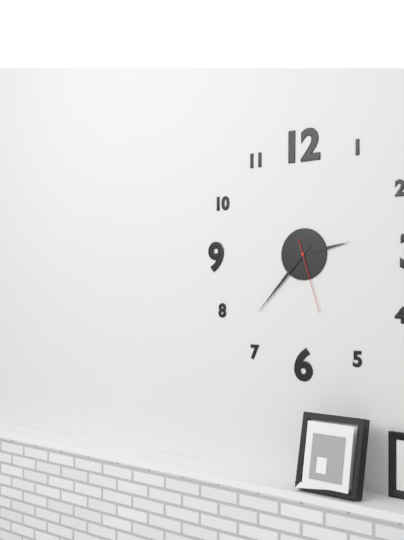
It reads 2h37m27s
